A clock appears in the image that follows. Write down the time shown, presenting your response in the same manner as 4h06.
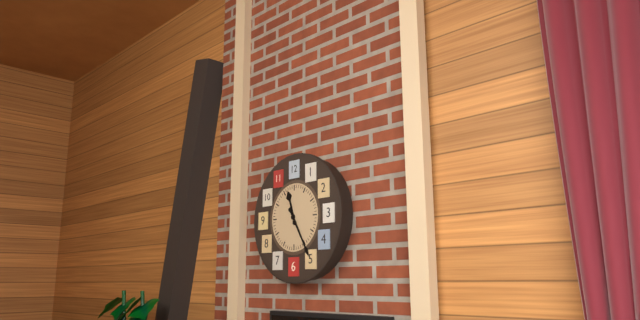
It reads 11h25
